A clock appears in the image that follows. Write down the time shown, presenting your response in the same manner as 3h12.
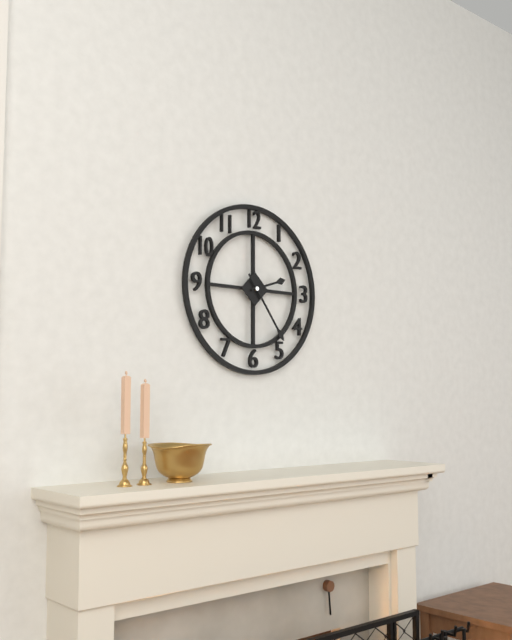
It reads 2h24
